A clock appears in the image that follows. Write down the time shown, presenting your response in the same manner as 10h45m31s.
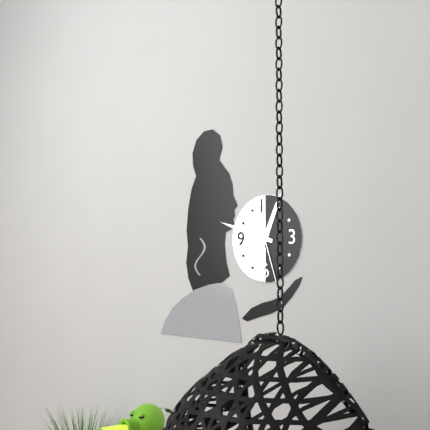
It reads 12h48m27s
